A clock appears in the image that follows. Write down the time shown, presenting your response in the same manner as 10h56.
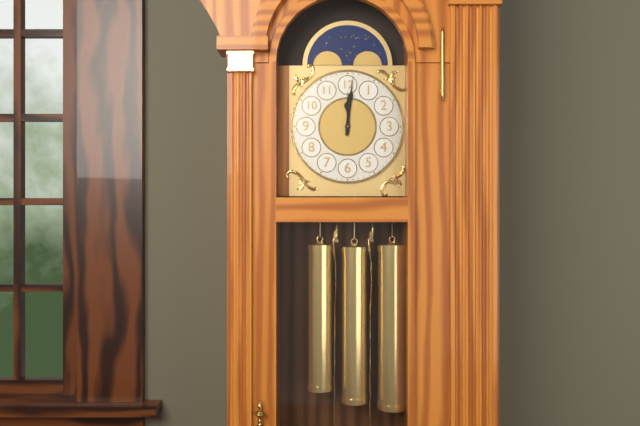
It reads 12h01
